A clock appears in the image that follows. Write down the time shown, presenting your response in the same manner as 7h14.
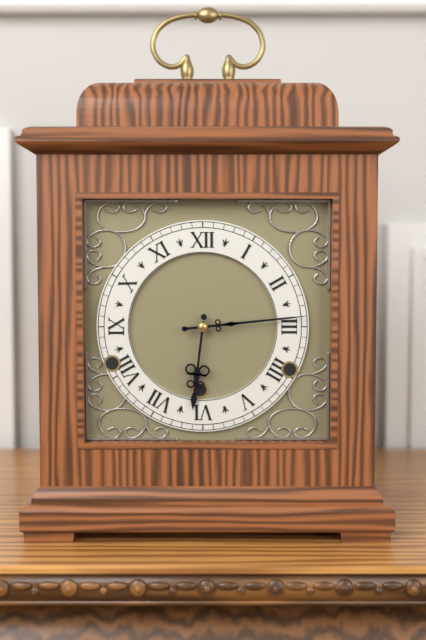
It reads 6h14
